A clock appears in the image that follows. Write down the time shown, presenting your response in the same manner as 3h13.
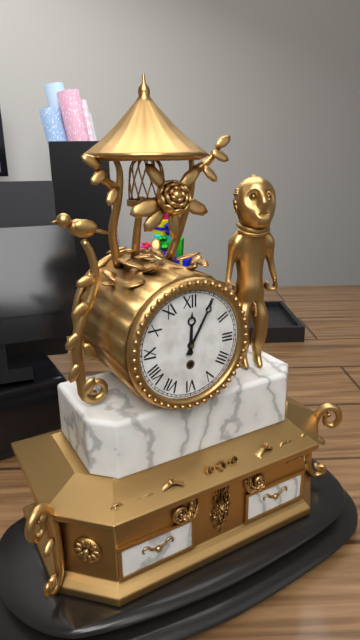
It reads 12h05
